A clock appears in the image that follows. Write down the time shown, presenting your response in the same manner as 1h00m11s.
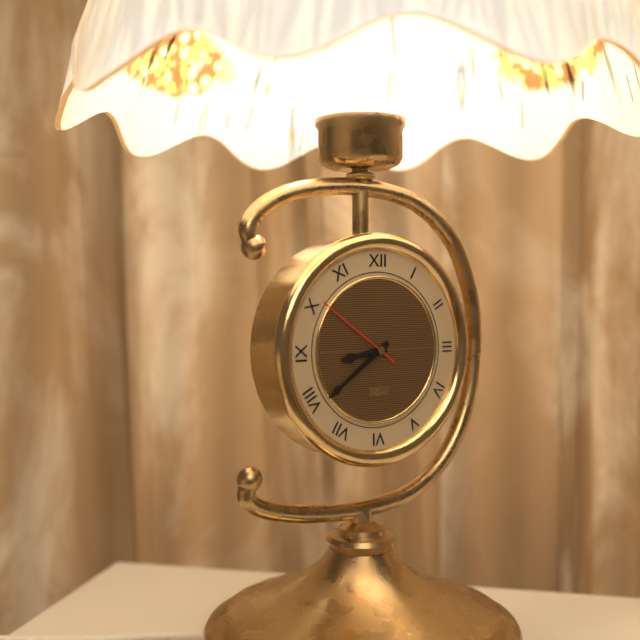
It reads 8h39m51s
